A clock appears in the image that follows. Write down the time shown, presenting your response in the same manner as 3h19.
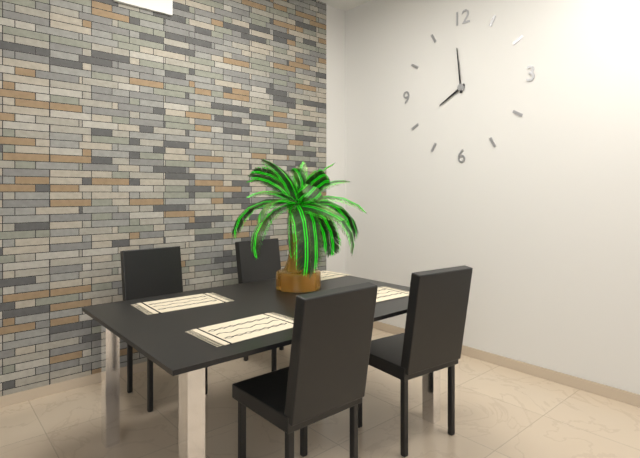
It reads 7h59
